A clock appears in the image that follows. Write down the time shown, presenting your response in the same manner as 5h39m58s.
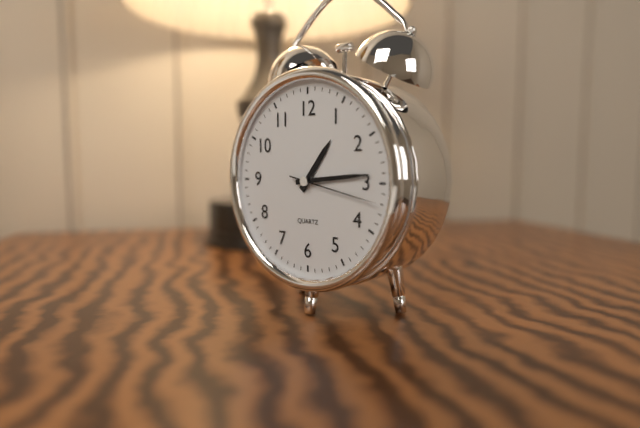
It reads 1h14m17s
